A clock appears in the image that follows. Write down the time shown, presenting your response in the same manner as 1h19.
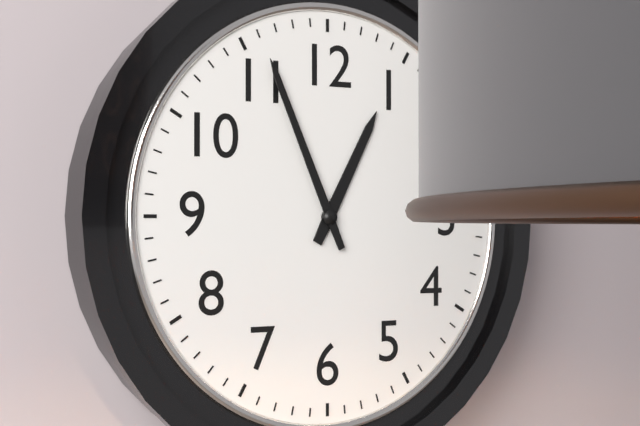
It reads 12h56
